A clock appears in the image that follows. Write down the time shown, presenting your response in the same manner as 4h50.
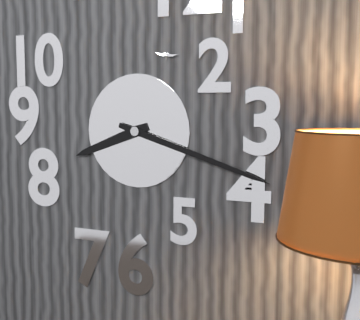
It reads 8h18
